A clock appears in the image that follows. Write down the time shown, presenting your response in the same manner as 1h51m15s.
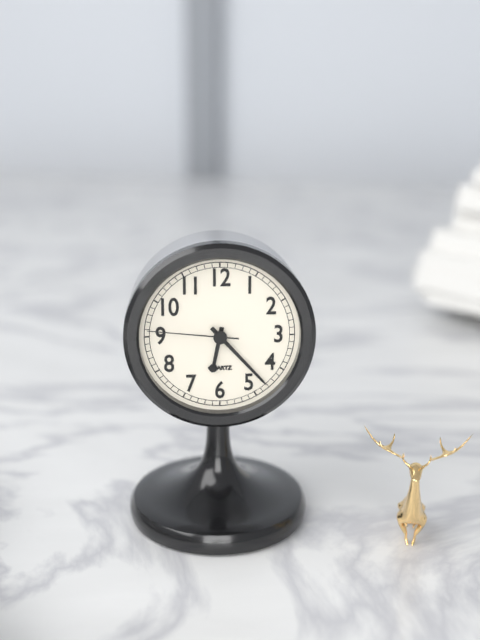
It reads 6h23m46s
